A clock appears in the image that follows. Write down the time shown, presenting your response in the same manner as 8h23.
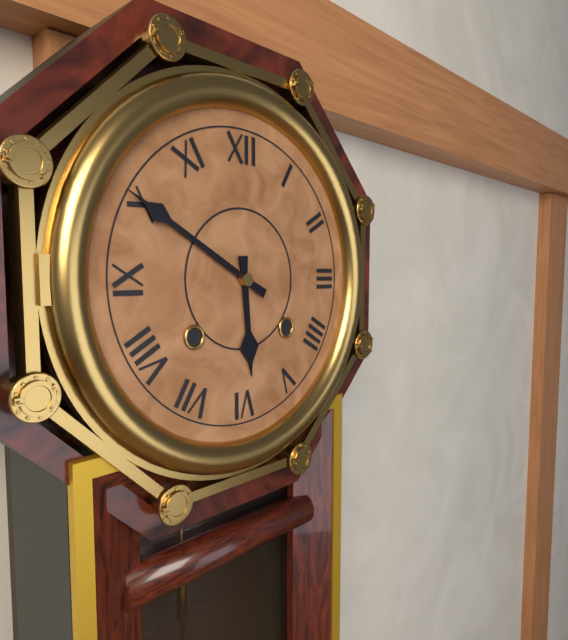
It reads 5h50
